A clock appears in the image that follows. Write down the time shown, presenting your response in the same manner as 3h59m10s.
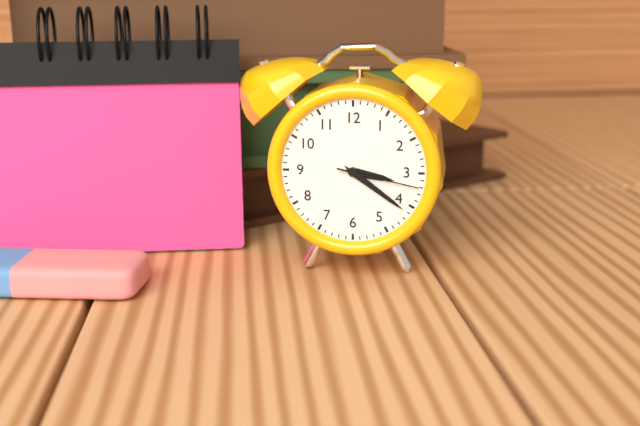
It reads 3h21m17s
